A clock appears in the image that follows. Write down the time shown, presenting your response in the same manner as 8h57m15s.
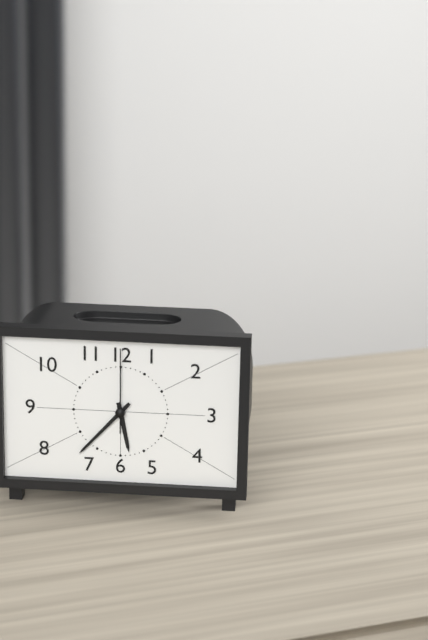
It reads 5h37m00s
